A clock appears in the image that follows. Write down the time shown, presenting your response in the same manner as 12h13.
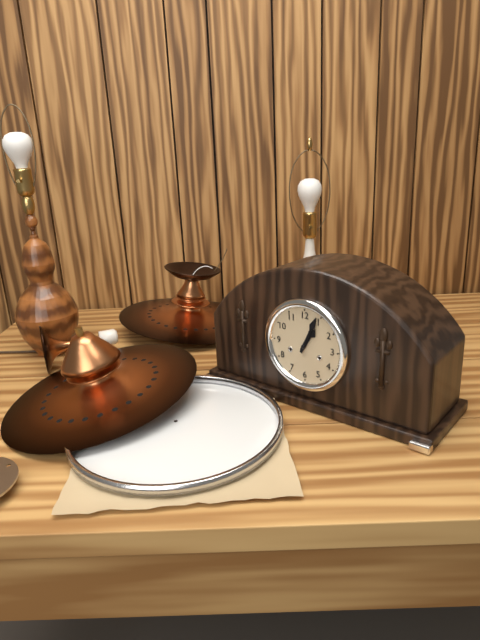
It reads 1h04
